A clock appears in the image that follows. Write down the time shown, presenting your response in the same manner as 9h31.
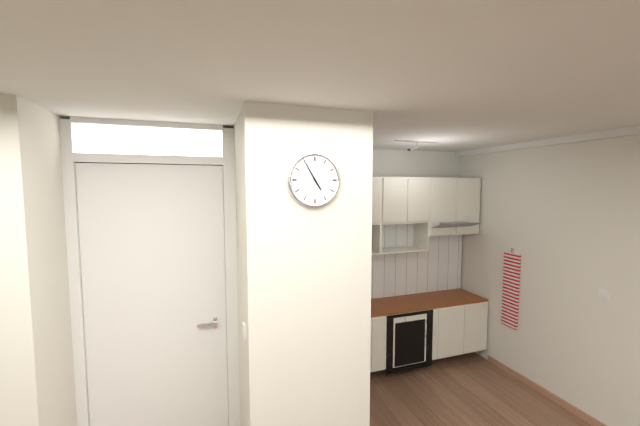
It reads 4h55
